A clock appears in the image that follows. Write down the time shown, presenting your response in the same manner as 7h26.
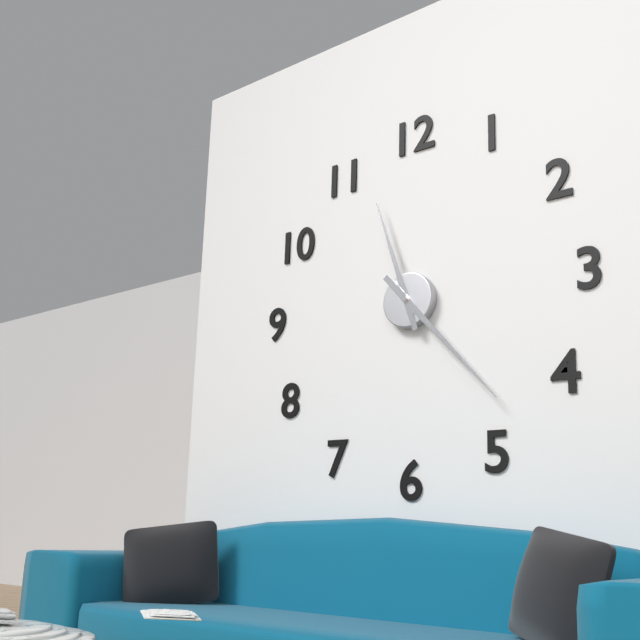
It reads 11h23
